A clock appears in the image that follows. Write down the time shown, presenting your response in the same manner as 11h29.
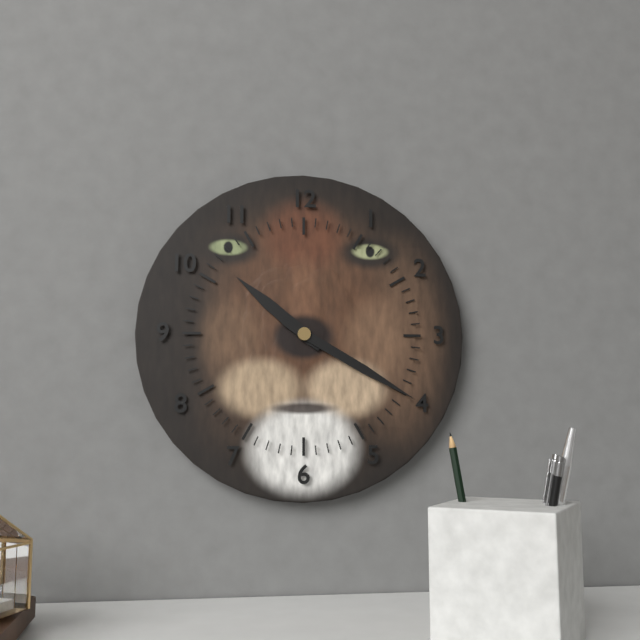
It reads 10h20
